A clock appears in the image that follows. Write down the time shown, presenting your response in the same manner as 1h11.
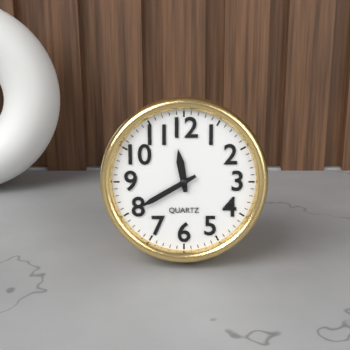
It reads 11h40
